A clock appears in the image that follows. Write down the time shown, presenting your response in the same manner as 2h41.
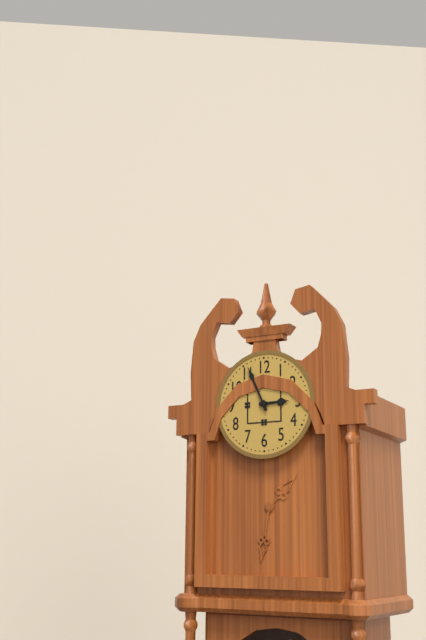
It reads 2h56
